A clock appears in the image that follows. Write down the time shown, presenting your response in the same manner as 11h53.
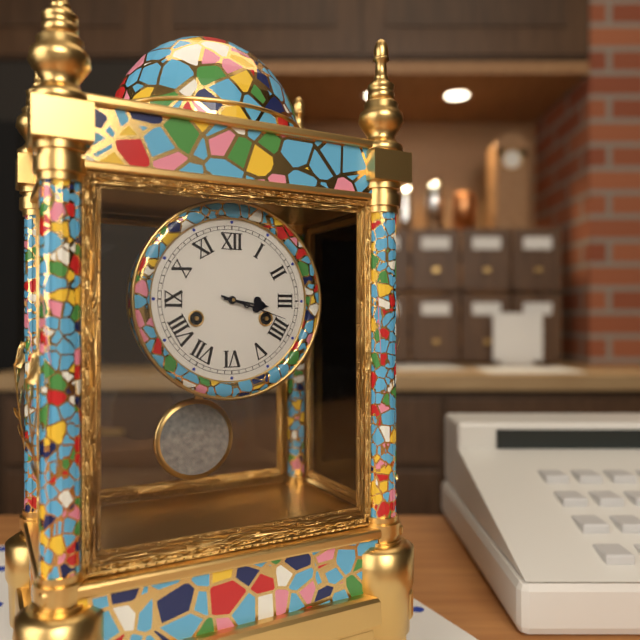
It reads 3h18
